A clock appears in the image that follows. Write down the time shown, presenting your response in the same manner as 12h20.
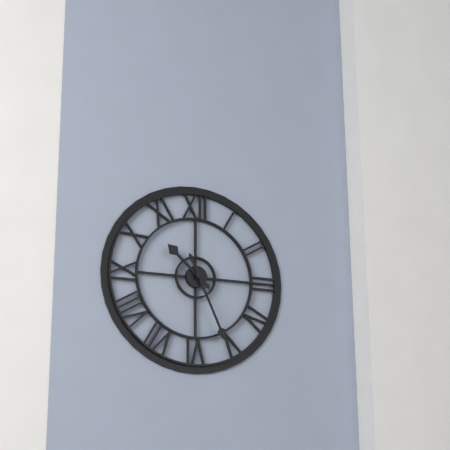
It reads 10h26
